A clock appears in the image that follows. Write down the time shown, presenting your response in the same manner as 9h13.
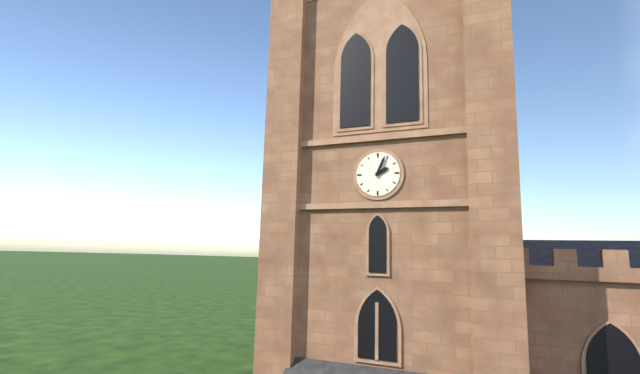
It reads 2h04
